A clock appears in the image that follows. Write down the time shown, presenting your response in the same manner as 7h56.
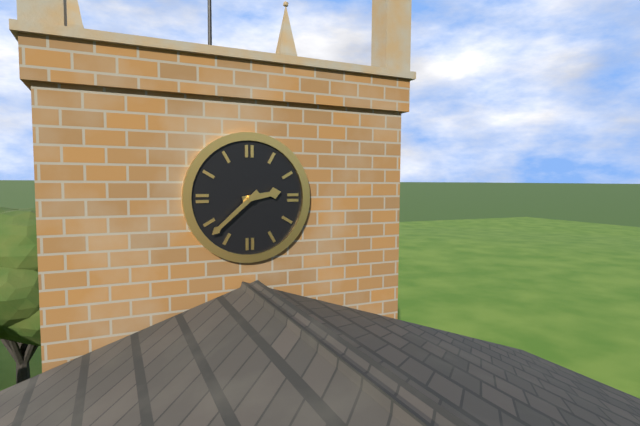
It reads 2h38
